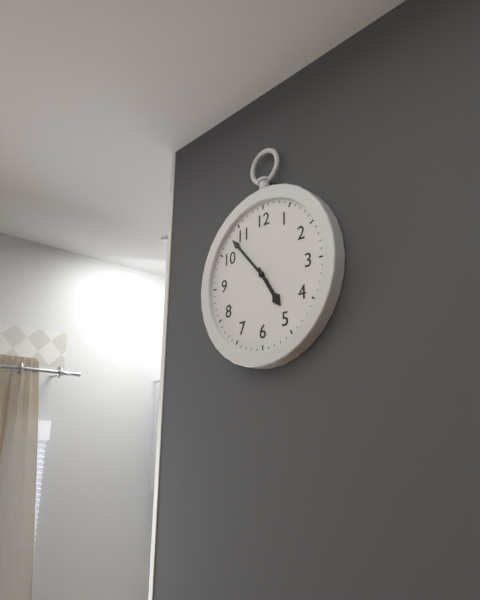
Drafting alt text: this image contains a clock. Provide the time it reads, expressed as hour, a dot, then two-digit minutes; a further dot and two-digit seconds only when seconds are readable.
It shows 4.53
